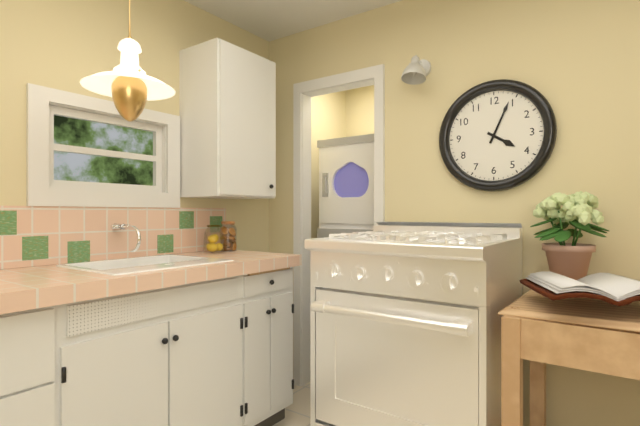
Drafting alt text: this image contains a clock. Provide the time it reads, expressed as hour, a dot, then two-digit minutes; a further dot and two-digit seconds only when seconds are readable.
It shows 4.04
